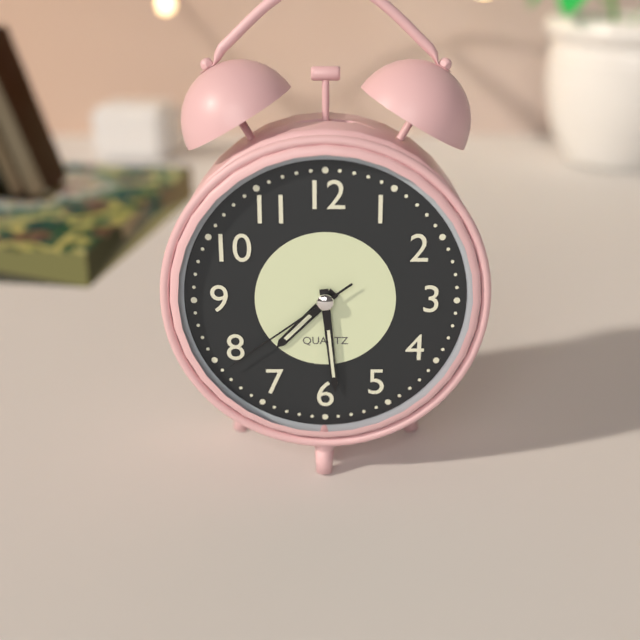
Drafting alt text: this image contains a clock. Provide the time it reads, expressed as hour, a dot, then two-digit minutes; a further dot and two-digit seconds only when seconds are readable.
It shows 7.29.39
